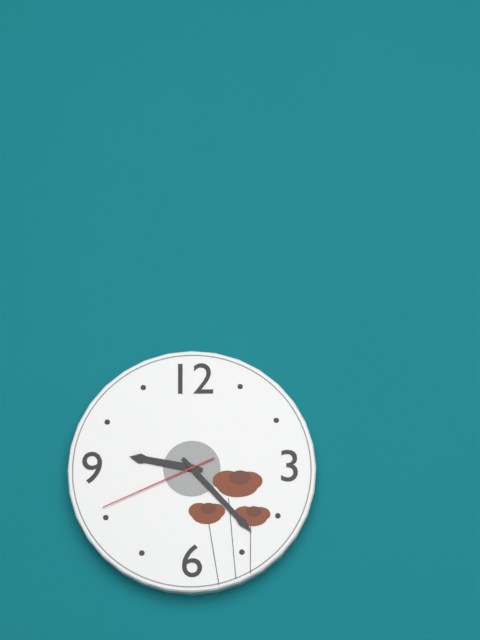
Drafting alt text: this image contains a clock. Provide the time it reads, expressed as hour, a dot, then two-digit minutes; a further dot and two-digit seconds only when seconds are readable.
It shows 9.23.41
